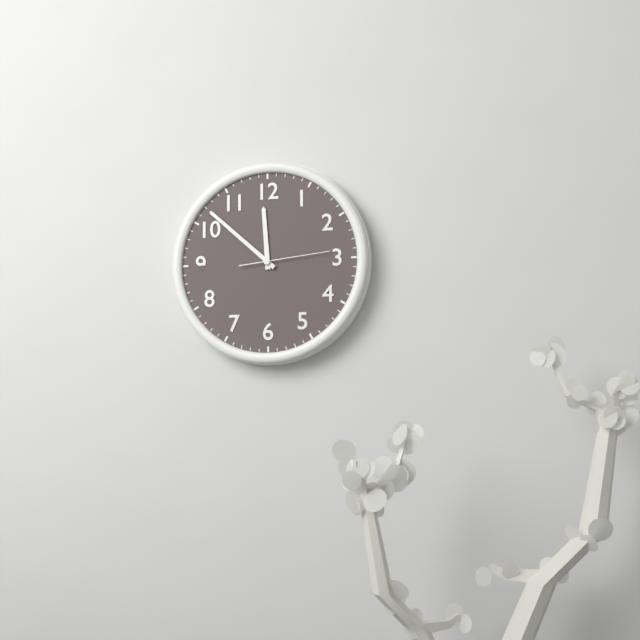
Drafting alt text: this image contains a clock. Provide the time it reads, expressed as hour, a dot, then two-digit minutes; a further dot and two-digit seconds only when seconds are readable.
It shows 11.52.14
